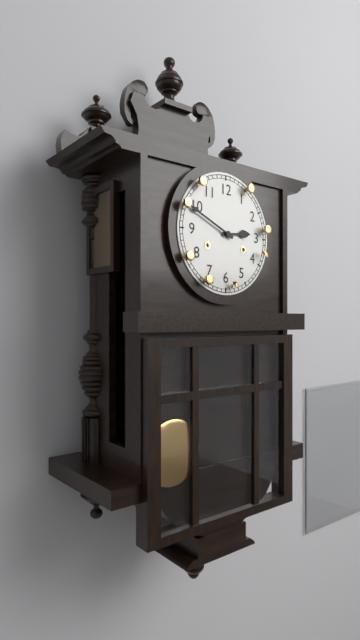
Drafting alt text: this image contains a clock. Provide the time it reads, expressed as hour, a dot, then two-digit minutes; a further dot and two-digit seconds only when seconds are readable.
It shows 2.49
